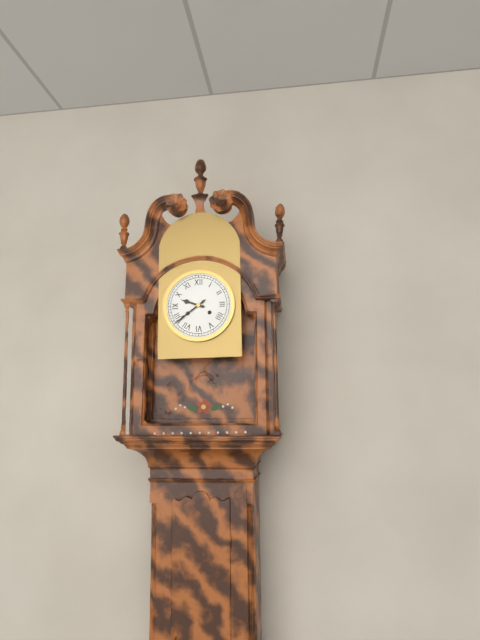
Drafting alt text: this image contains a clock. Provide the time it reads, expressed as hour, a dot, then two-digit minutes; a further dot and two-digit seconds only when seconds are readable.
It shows 9.39
